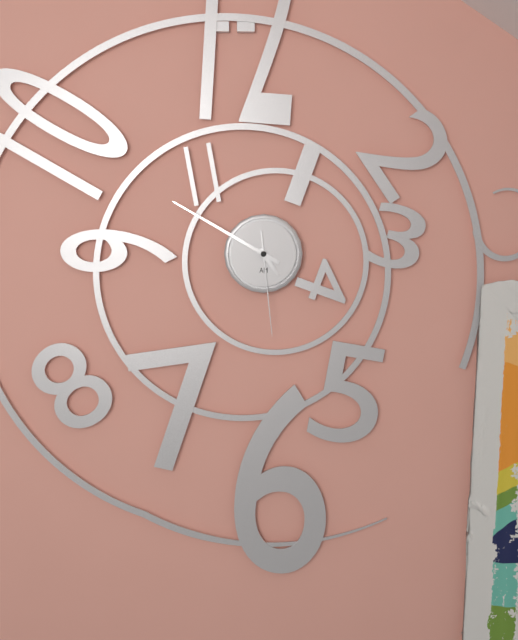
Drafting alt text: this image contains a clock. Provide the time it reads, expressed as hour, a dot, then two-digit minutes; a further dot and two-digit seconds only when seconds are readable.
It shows 4.50.29
